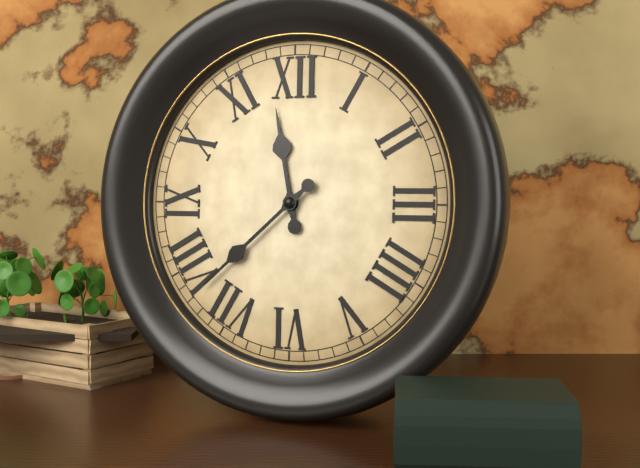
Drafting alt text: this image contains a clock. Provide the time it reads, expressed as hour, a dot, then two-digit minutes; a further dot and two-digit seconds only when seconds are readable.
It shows 11.38
